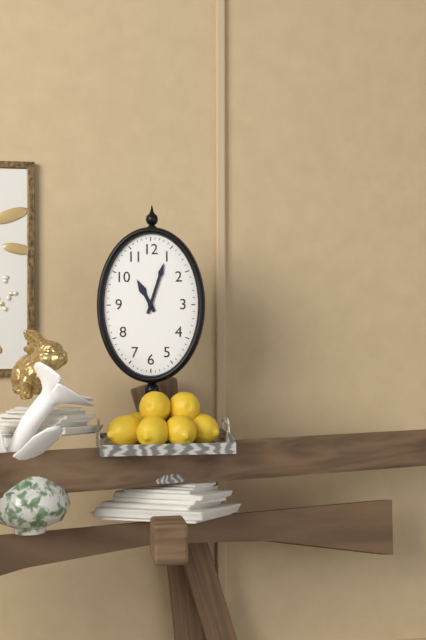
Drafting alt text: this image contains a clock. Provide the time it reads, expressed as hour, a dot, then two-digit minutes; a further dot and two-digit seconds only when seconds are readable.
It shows 11.03
